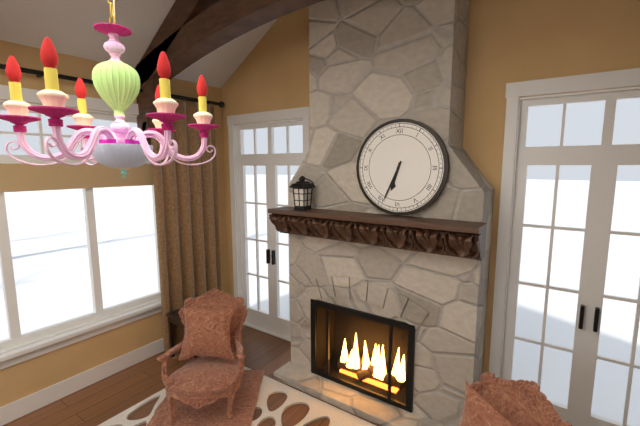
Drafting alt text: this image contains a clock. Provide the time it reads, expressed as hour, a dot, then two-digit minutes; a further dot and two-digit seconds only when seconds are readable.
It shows 6.34
